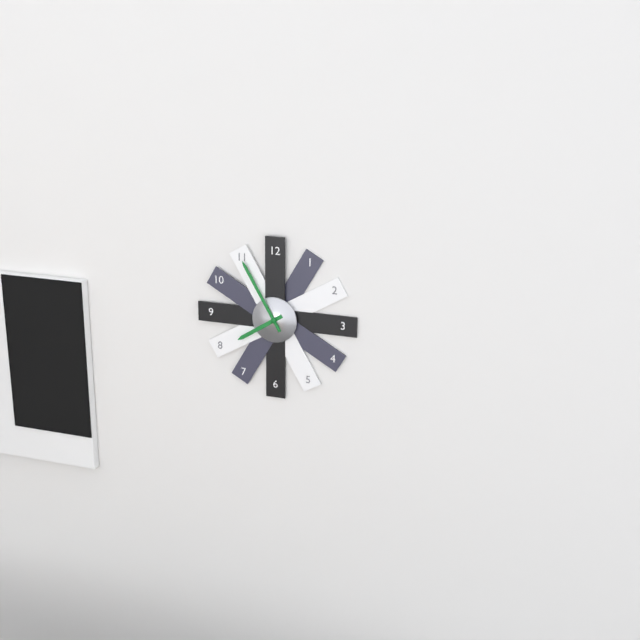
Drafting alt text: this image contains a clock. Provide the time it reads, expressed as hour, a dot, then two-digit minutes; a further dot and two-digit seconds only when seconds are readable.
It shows 7.55
